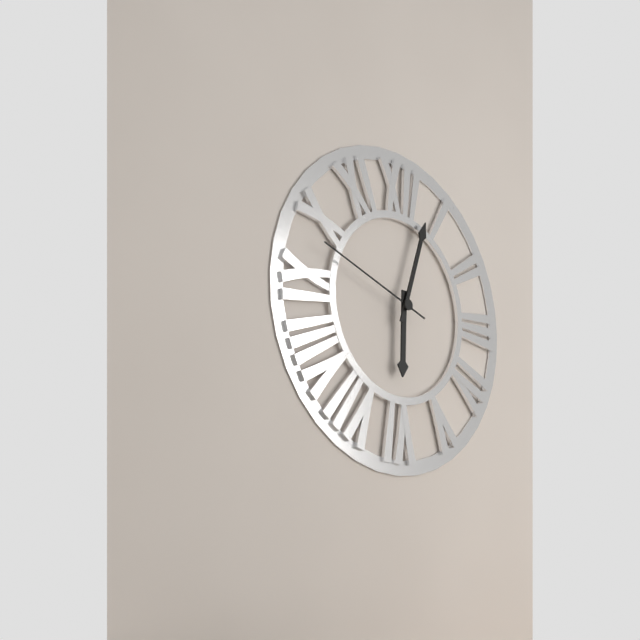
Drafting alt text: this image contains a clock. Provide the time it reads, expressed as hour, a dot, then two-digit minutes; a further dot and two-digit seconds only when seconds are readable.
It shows 6.03.48
